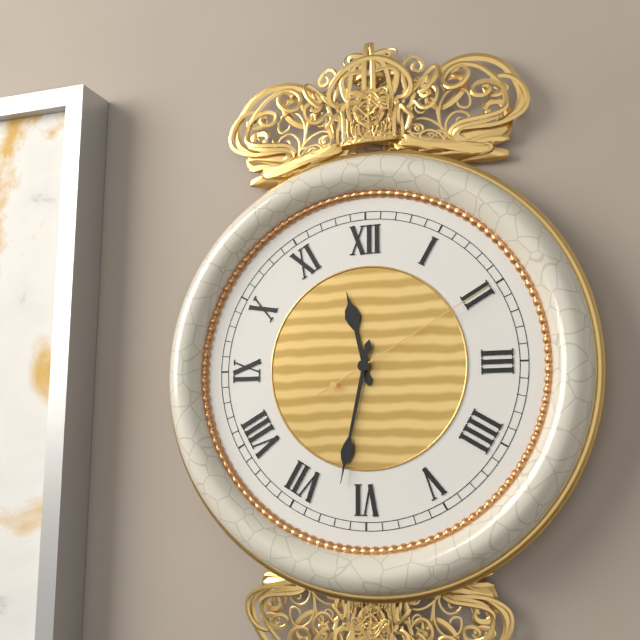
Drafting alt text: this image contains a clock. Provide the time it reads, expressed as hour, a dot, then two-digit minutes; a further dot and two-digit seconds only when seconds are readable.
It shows 11.32.10
